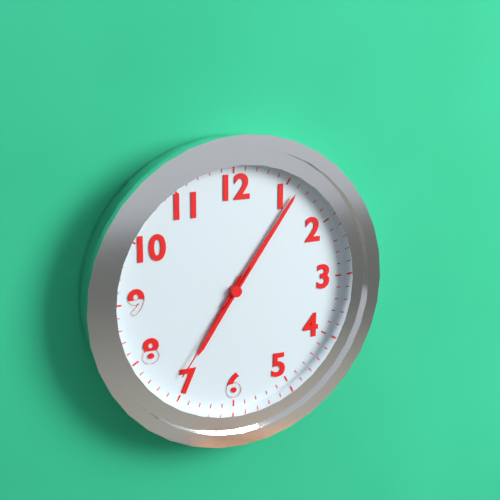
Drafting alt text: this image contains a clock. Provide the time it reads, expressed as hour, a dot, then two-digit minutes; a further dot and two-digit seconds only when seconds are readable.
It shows 7.06.36
